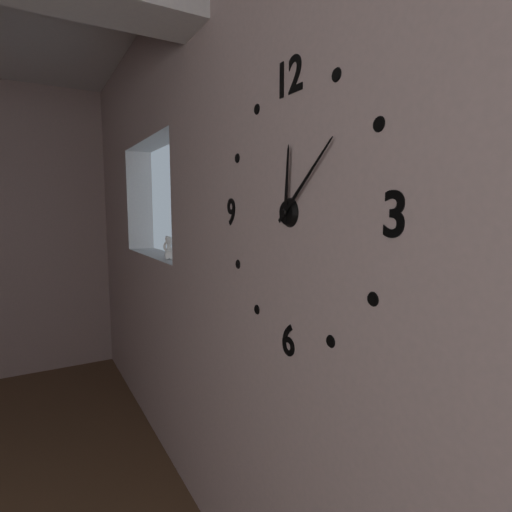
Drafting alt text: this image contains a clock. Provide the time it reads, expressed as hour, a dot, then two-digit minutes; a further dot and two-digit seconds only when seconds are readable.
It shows 12.08
